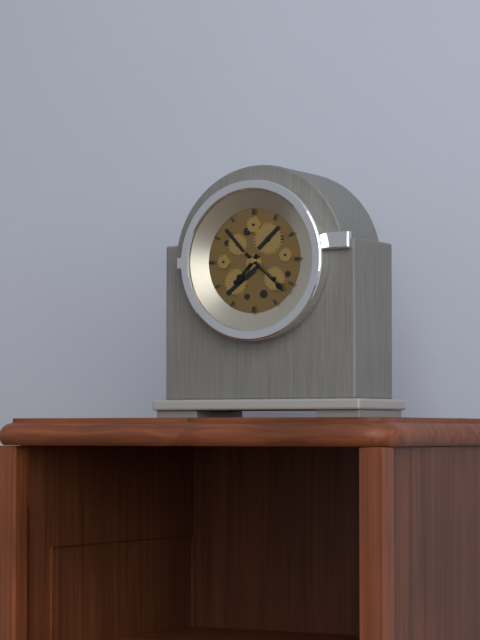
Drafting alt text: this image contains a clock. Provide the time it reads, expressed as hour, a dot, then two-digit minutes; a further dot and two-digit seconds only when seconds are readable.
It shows 7.22
